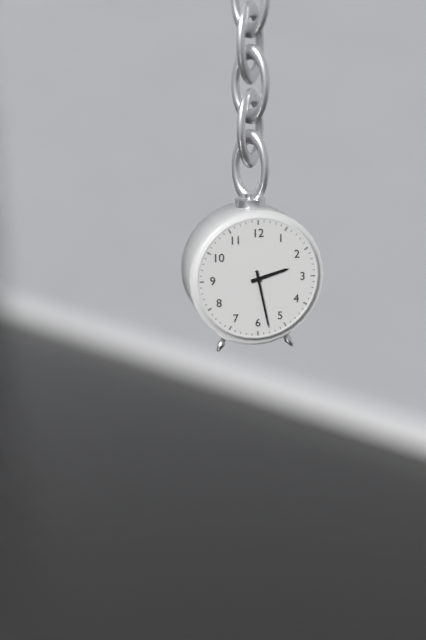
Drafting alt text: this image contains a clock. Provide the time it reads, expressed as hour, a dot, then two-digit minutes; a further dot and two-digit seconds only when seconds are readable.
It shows 2.28
